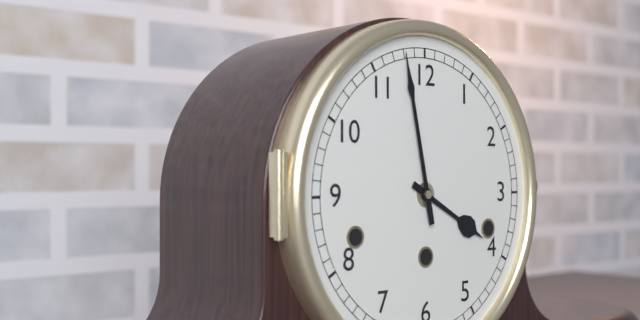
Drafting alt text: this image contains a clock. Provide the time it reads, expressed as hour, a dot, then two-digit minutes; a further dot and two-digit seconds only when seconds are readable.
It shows 3.58
